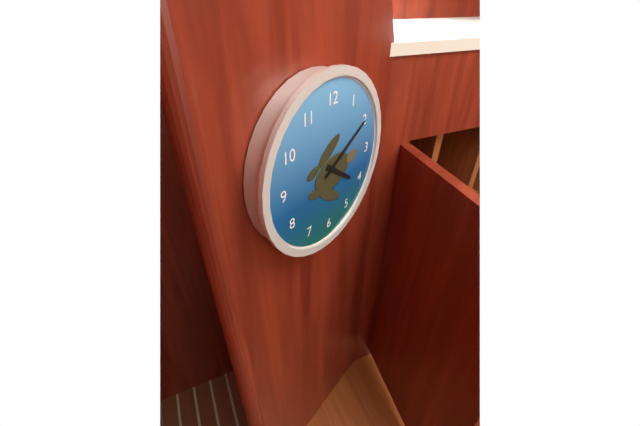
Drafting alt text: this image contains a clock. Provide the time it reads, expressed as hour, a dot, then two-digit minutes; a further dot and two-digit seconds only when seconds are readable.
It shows 4.10
